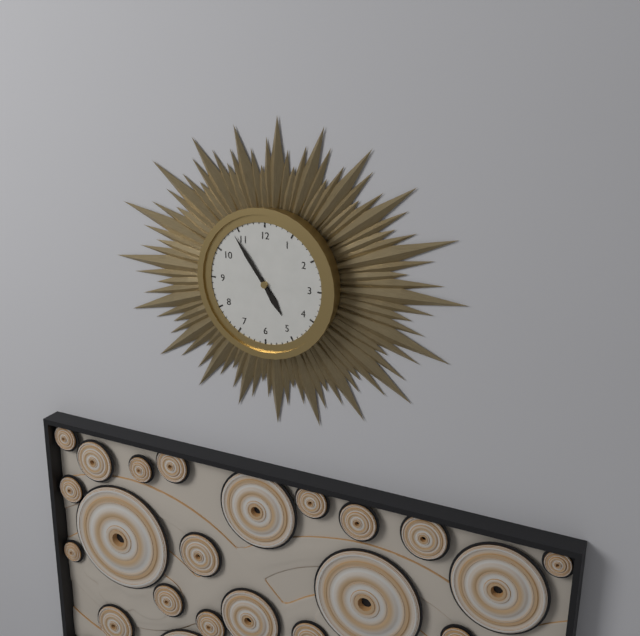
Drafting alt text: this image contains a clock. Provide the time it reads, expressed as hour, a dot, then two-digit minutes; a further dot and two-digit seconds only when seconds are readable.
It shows 4.54
